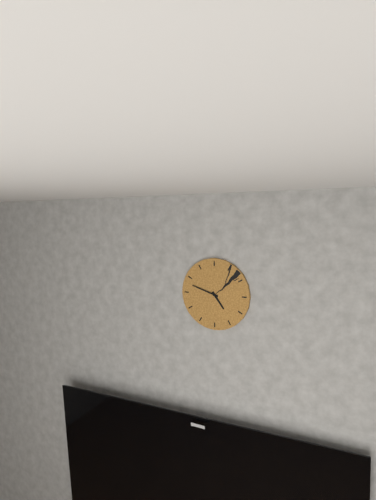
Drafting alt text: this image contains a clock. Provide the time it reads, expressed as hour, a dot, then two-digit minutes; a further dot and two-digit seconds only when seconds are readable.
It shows 4.48
